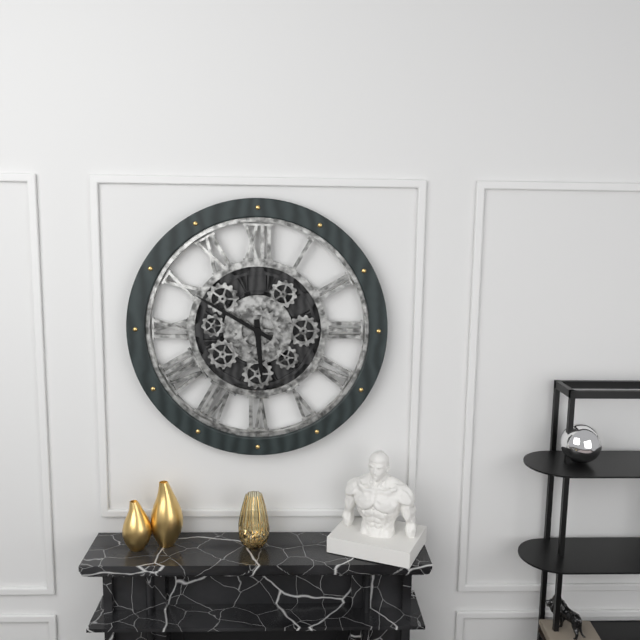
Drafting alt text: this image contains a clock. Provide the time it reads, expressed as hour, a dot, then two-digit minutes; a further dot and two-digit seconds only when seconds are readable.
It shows 5.50
